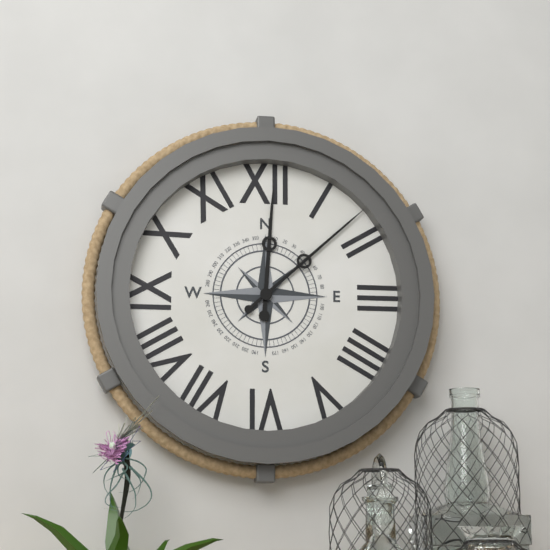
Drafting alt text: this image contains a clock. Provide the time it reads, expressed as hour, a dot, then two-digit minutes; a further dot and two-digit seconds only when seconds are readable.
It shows 12.08
